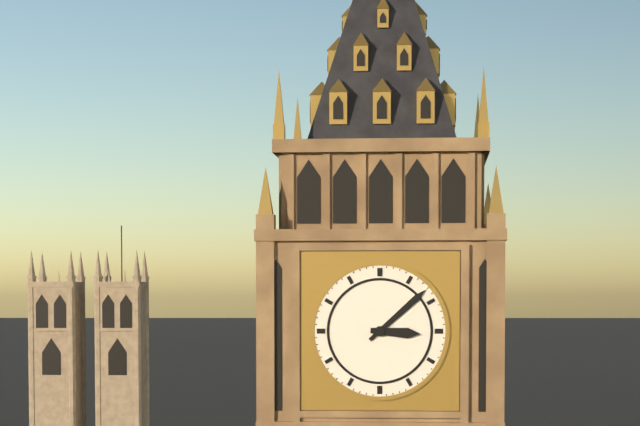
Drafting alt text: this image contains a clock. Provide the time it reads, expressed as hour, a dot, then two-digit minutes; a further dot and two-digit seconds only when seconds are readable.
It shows 3.08
